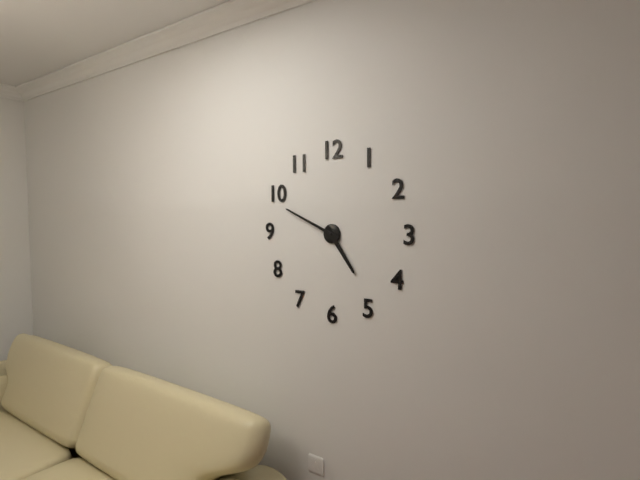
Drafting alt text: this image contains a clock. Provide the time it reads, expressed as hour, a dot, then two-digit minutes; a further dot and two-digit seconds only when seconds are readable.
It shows 4.49
